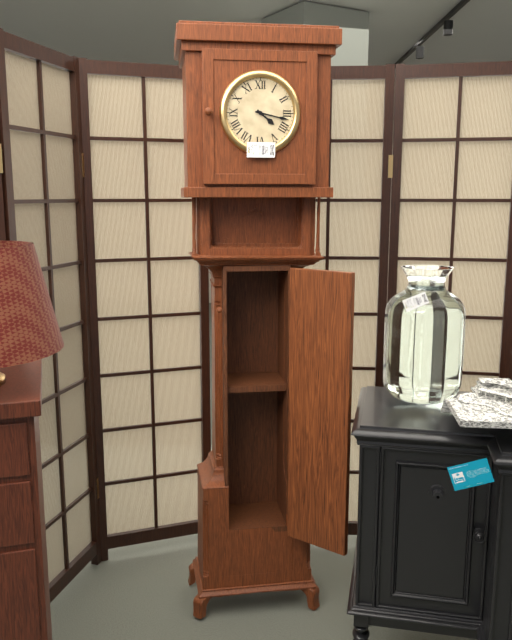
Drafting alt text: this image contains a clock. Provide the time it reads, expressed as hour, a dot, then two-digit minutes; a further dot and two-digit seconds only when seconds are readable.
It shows 4.17
